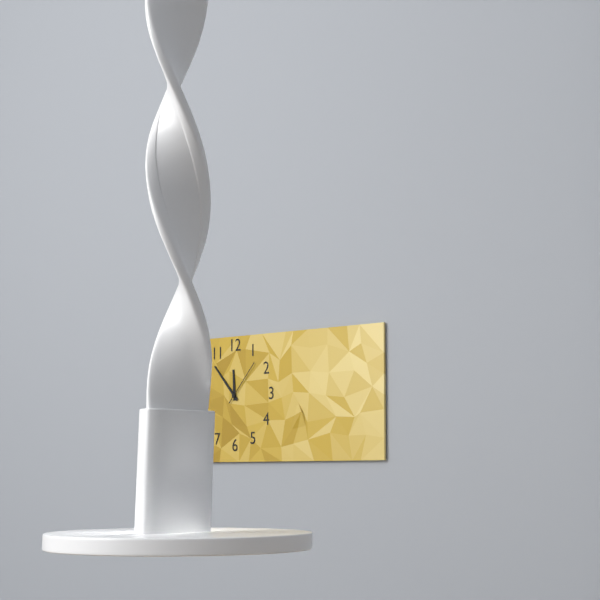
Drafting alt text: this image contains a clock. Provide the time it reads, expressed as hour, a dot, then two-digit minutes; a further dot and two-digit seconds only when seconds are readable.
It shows 11.53
